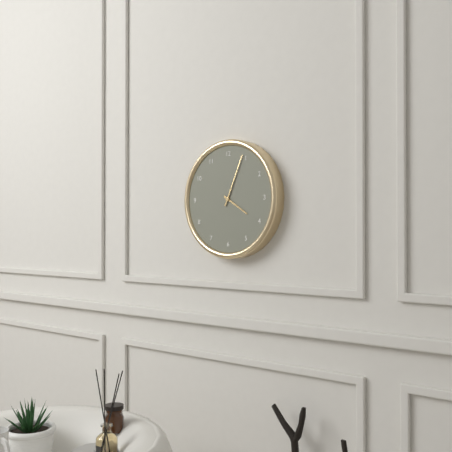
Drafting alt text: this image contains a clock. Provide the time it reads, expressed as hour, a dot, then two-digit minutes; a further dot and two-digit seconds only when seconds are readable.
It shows 4.04
